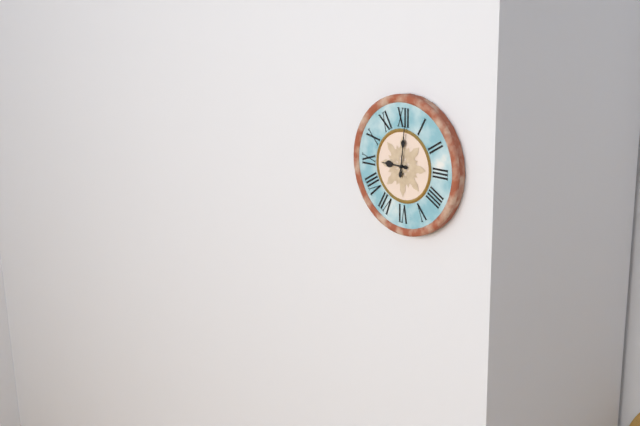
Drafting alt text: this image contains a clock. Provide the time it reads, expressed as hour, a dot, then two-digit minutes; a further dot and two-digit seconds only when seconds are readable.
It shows 9.01
